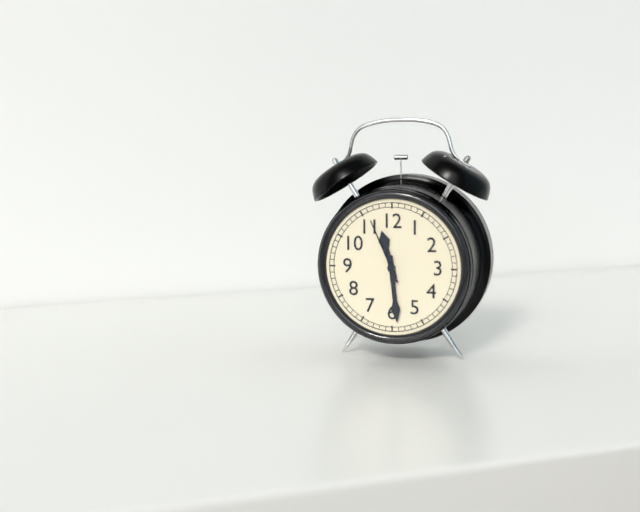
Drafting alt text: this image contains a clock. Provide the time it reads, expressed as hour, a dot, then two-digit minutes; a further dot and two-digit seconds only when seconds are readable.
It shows 11.29.56
